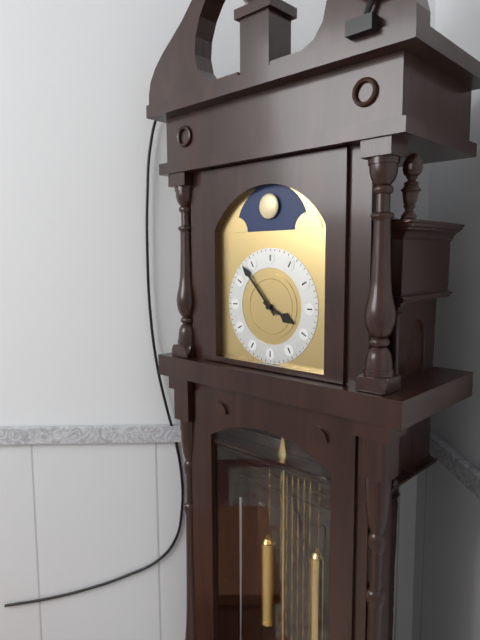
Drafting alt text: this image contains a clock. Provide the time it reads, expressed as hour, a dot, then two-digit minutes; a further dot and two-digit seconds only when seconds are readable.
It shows 3.53
